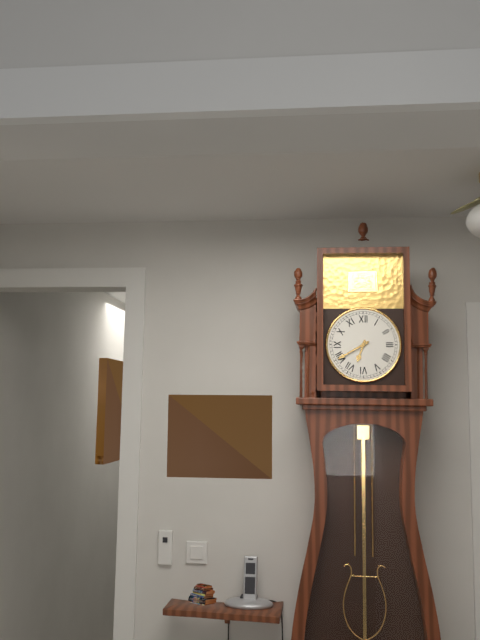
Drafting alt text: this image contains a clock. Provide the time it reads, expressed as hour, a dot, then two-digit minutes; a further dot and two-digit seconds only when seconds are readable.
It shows 6.40
